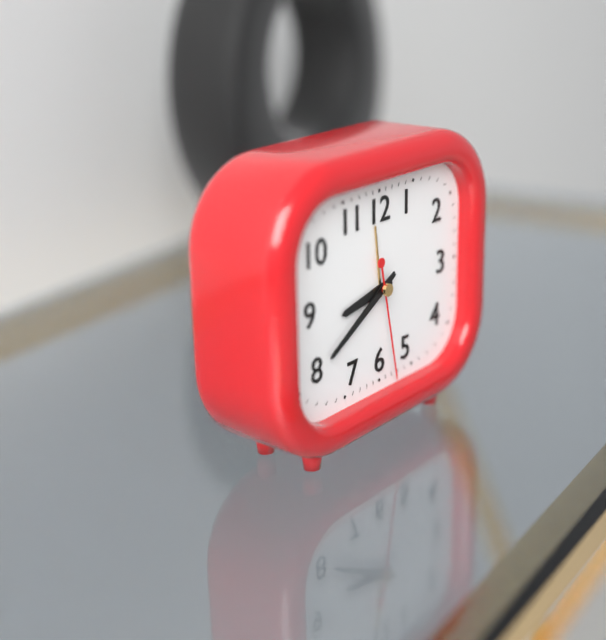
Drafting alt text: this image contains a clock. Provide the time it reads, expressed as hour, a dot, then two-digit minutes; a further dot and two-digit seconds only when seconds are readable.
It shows 8.40.28
